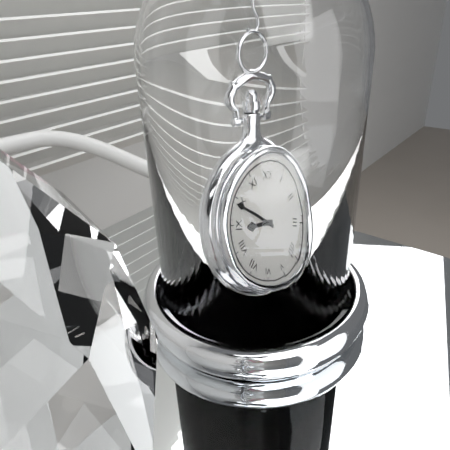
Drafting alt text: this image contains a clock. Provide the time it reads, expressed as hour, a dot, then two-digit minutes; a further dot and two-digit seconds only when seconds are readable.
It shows 8.49
